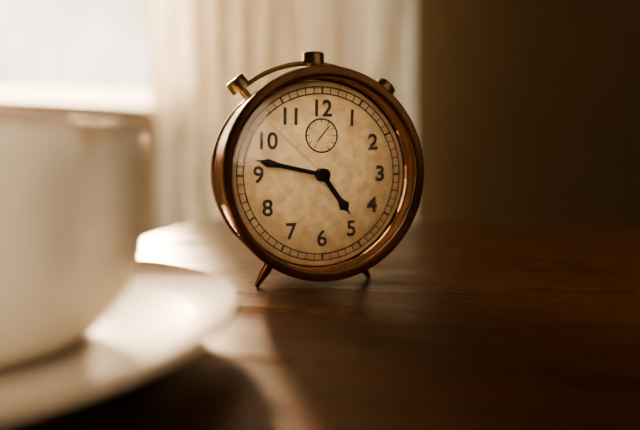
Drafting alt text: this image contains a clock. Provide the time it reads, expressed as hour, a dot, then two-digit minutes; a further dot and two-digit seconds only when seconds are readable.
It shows 4.47.52
